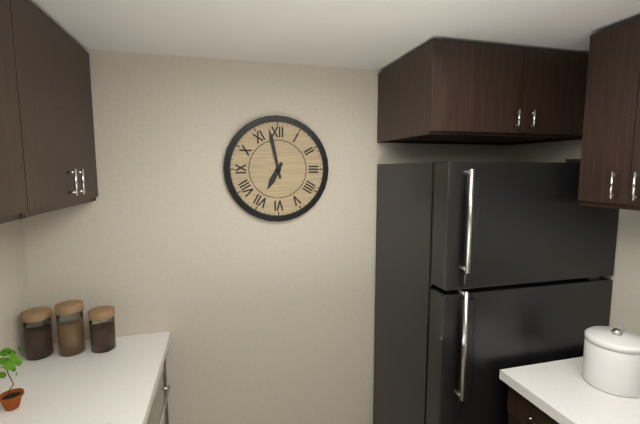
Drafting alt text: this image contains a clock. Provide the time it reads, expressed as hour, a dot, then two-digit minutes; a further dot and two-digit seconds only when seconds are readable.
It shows 6.58
